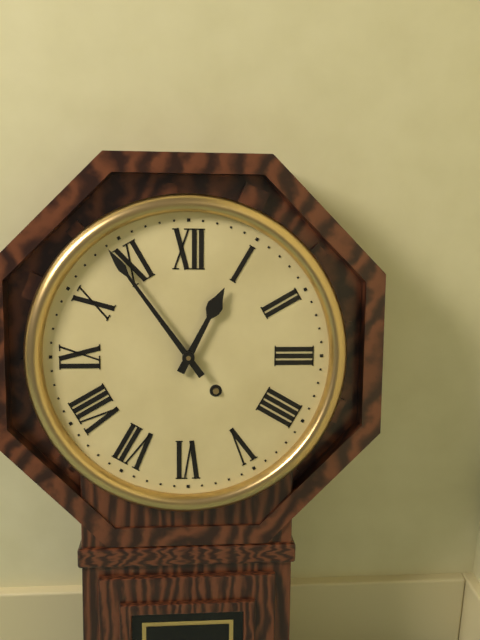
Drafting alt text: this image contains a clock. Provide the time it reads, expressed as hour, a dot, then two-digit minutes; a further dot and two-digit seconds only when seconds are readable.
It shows 12.54
